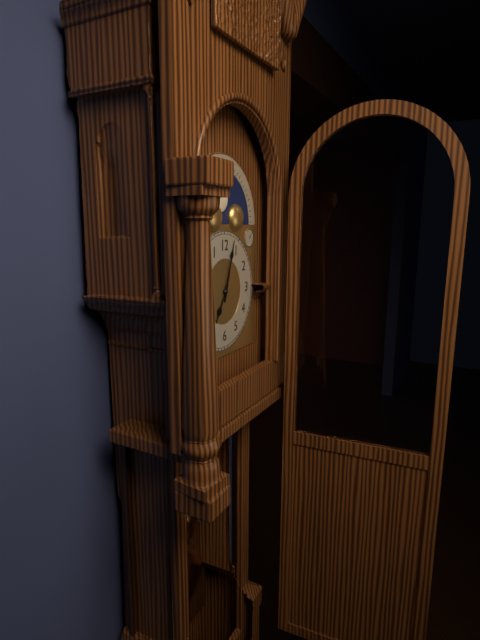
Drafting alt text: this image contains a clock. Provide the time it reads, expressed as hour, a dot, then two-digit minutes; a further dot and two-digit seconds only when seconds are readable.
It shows 7.03
